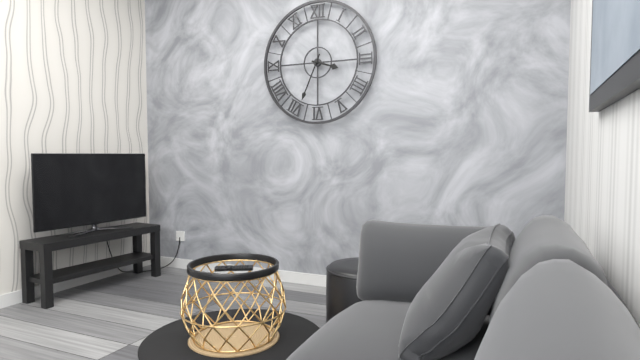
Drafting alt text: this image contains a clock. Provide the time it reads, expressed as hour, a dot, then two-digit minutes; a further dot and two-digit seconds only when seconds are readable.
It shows 3.34
